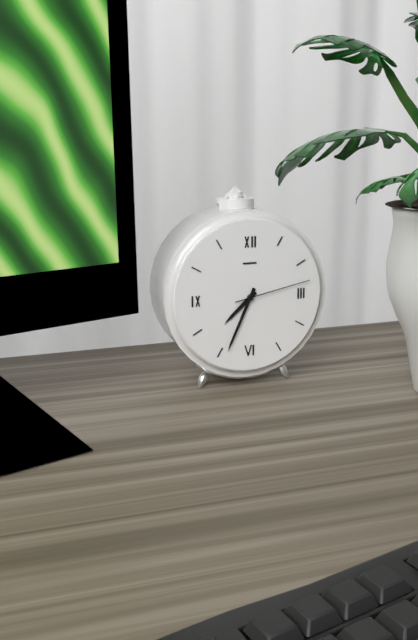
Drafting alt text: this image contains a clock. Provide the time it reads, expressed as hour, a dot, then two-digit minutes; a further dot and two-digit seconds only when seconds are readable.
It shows 7.34.13
